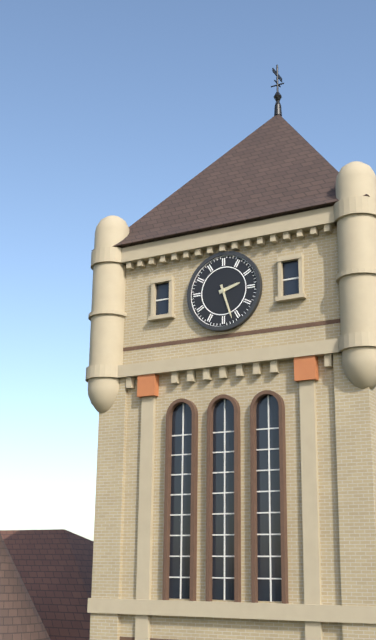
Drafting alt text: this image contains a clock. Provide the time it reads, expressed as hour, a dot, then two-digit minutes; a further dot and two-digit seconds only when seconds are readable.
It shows 2.27
